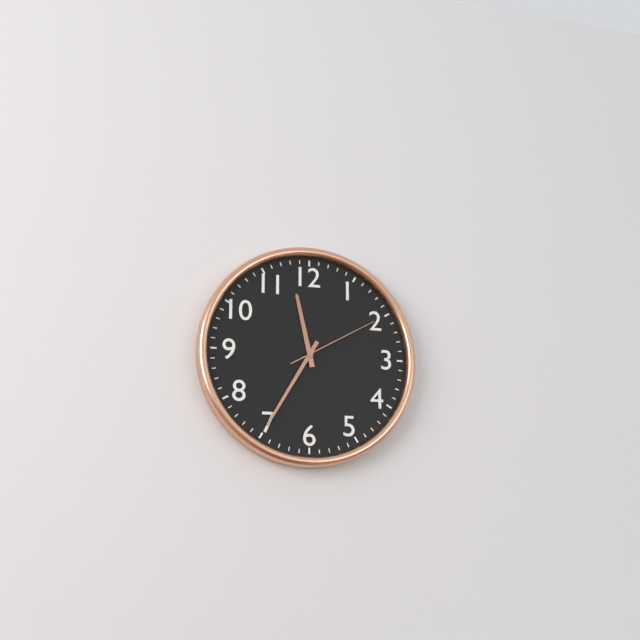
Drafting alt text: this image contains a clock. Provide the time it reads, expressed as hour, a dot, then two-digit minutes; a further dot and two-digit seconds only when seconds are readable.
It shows 11.35.10
